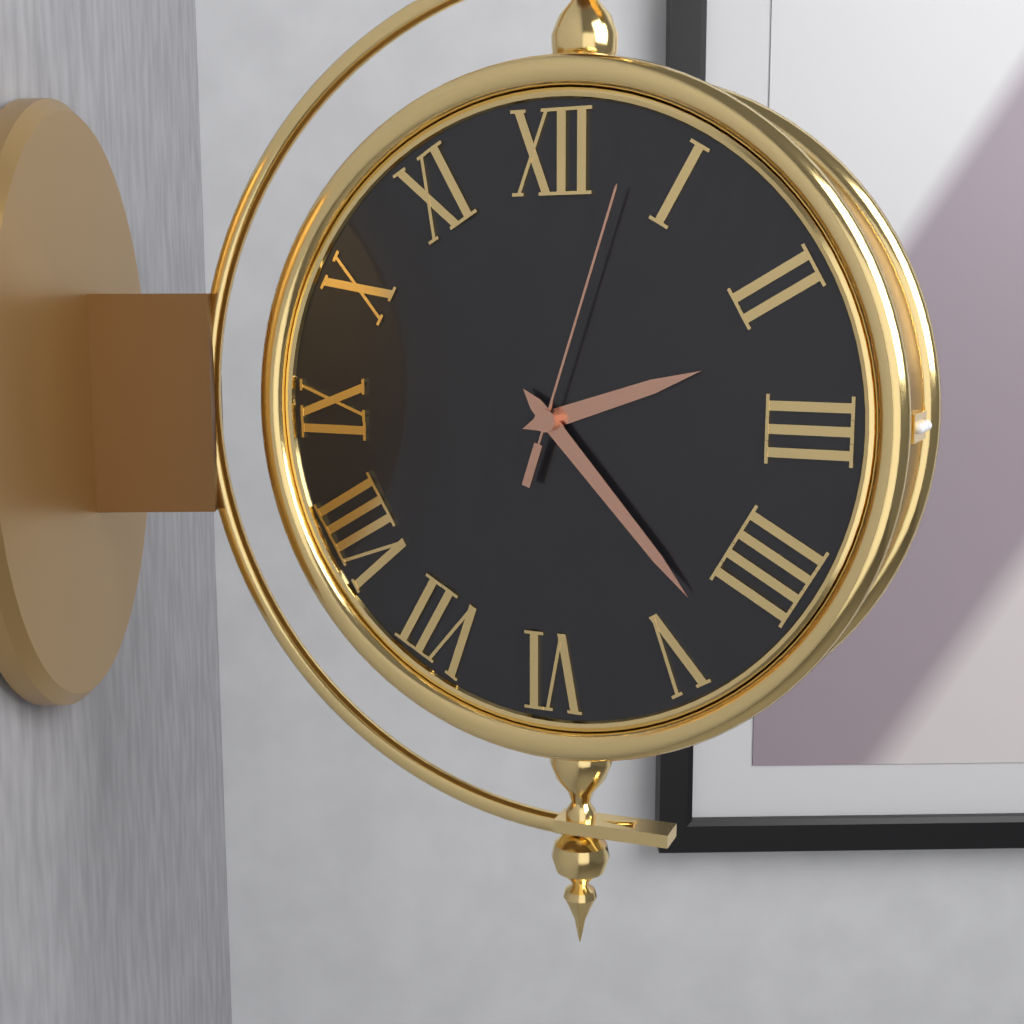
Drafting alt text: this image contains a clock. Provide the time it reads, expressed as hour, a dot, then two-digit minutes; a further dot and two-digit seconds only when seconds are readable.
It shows 2.23.03
